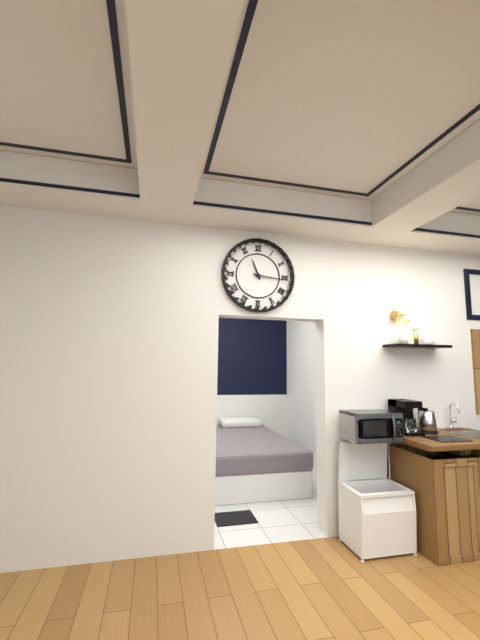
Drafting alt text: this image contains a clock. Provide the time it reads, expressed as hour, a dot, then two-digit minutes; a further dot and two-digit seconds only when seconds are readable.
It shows 11.16
